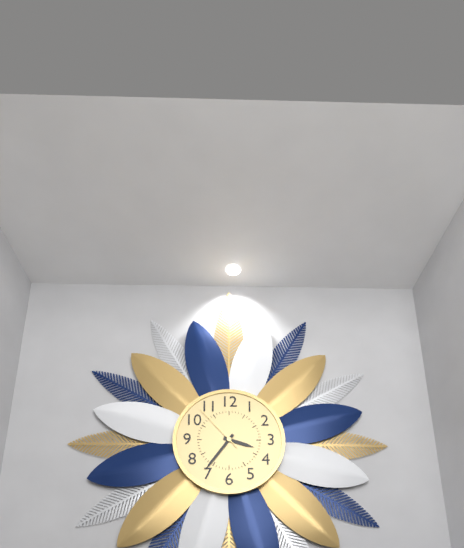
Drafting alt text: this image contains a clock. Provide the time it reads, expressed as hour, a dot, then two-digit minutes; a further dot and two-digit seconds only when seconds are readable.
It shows 3.36.53
